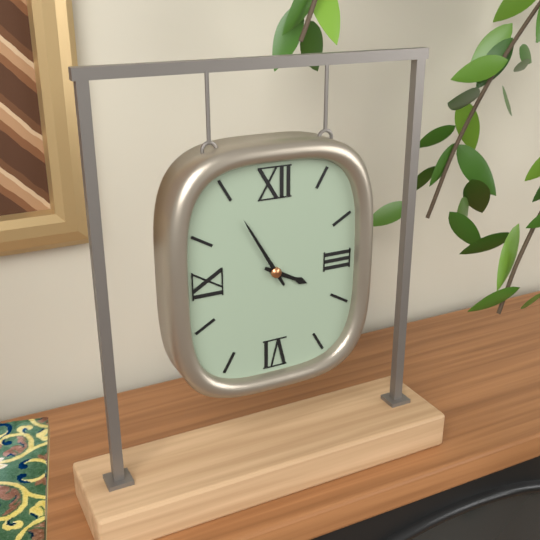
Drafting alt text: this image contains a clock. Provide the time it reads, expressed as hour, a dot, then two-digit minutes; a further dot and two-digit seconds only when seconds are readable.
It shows 3.55
